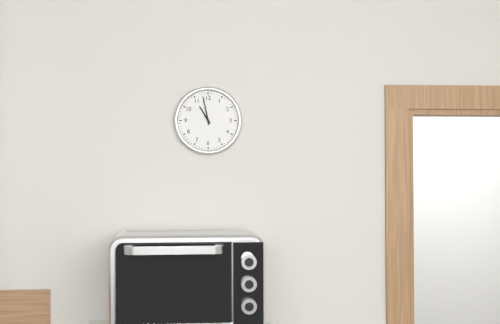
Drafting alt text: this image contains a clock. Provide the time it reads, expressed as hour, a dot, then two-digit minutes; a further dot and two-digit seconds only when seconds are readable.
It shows 10.58
